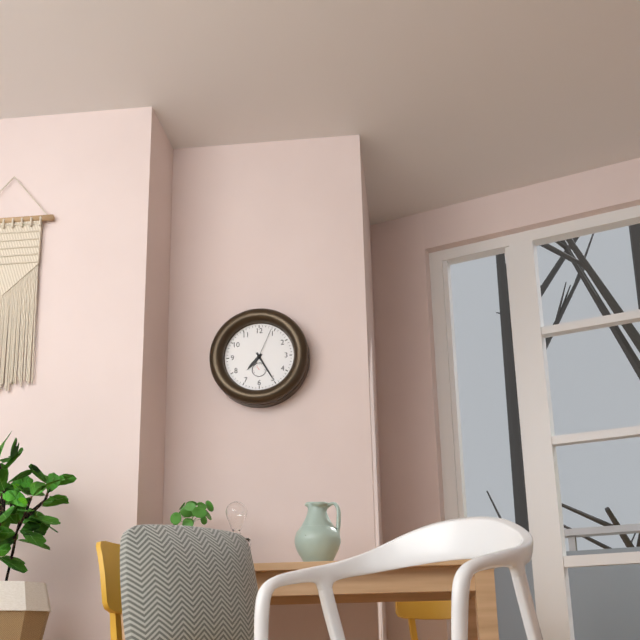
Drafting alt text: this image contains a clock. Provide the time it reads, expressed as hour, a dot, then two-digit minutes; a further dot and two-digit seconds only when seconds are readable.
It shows 7.25
